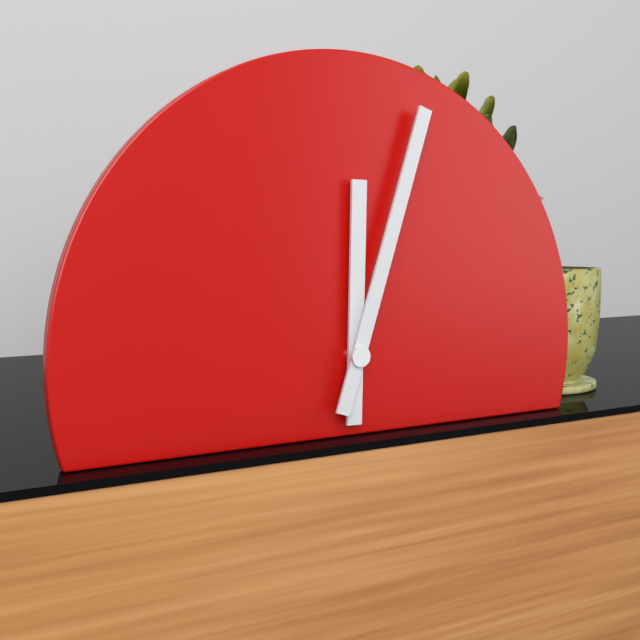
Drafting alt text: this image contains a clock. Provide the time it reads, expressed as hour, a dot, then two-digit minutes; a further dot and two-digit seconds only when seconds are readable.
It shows 12.03
